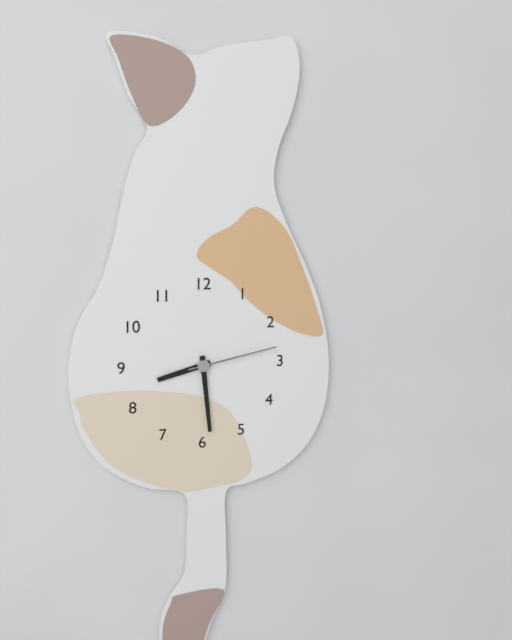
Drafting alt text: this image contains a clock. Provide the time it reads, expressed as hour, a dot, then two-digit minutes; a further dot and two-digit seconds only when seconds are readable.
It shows 8.29.13
